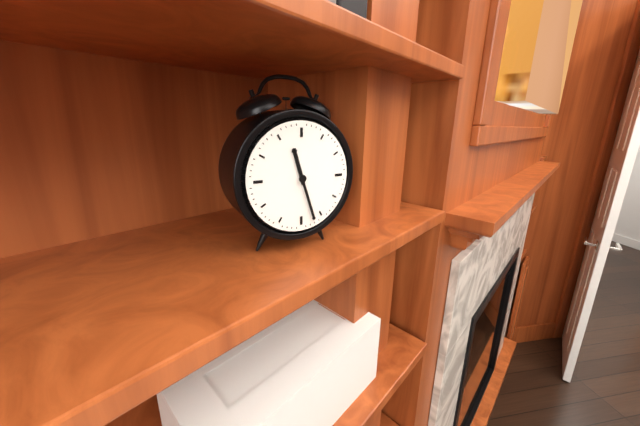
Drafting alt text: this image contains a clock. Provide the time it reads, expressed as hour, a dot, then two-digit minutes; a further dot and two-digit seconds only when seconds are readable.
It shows 11.27
